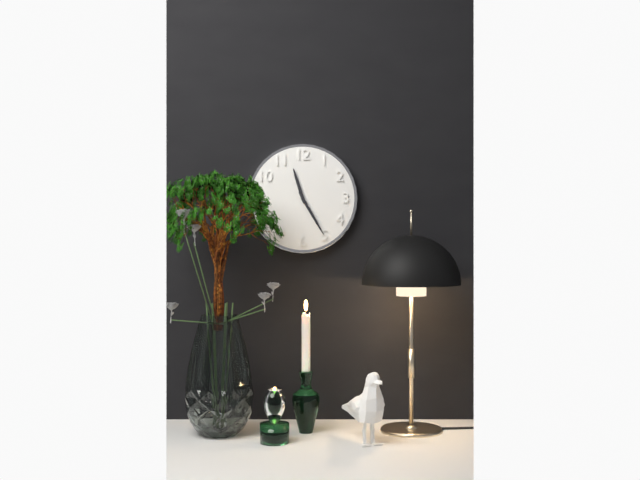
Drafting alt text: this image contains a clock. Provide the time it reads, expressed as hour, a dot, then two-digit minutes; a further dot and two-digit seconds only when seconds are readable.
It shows 11.25
